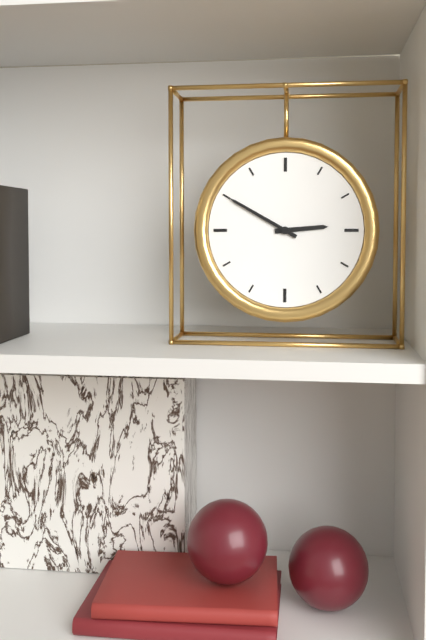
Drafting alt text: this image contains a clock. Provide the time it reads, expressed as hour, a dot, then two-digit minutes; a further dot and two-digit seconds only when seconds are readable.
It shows 2.50
